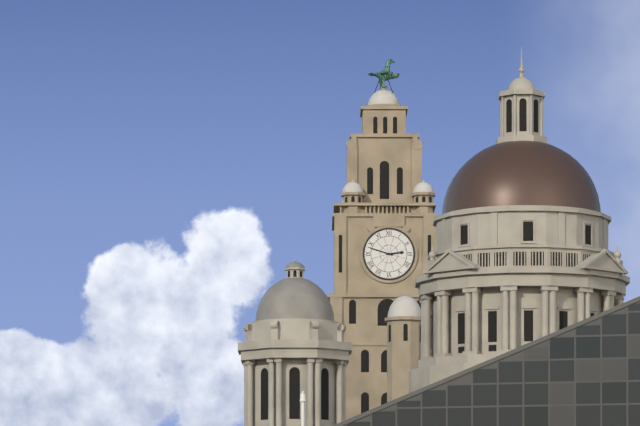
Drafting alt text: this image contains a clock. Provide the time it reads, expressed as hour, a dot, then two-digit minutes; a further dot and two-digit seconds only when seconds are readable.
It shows 2.48
